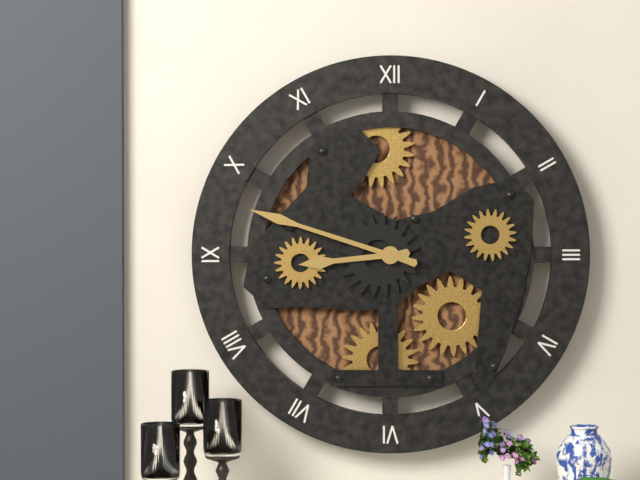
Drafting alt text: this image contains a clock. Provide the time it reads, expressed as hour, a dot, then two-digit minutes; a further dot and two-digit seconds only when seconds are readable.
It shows 8.48
